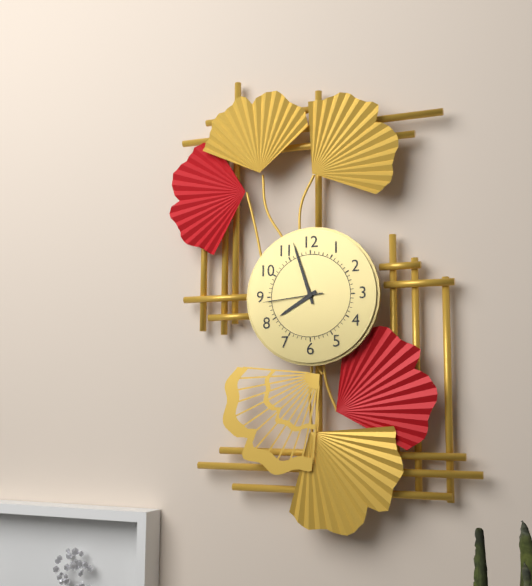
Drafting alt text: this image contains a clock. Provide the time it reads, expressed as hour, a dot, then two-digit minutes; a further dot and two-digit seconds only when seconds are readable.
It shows 7.57.44
